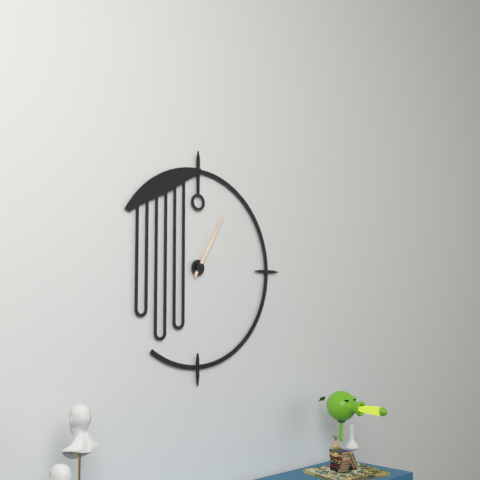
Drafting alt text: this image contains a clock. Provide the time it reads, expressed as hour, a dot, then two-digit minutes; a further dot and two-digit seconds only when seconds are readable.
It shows 1.05
